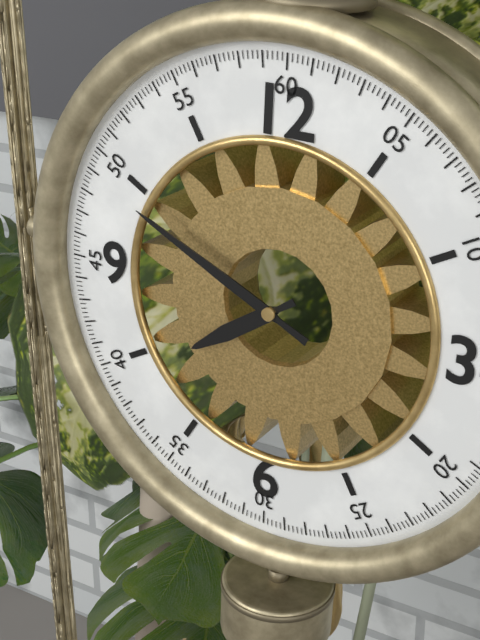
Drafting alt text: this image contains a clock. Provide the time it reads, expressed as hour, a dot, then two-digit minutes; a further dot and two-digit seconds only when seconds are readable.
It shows 7.49
